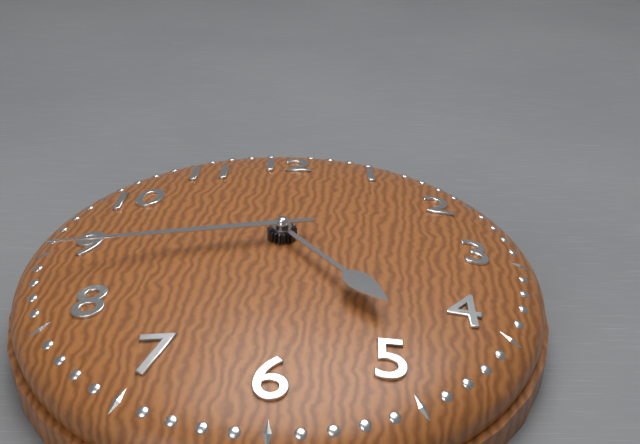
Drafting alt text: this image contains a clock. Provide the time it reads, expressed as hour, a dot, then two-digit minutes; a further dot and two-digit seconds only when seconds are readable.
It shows 4.43
